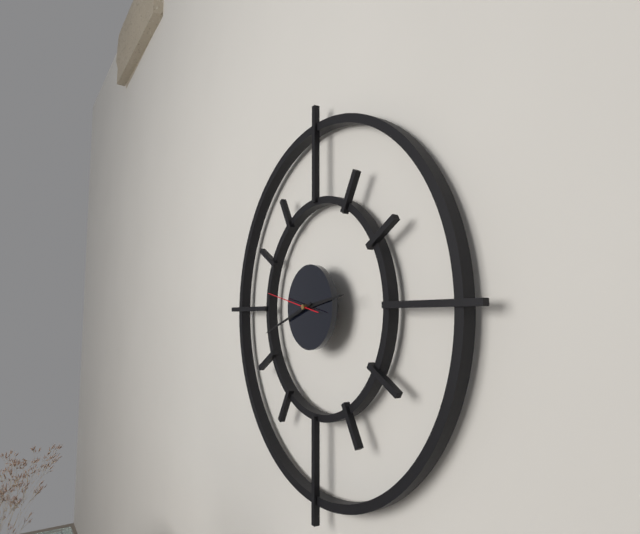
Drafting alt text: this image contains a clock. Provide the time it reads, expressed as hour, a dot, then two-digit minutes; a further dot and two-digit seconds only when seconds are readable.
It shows 2.42
